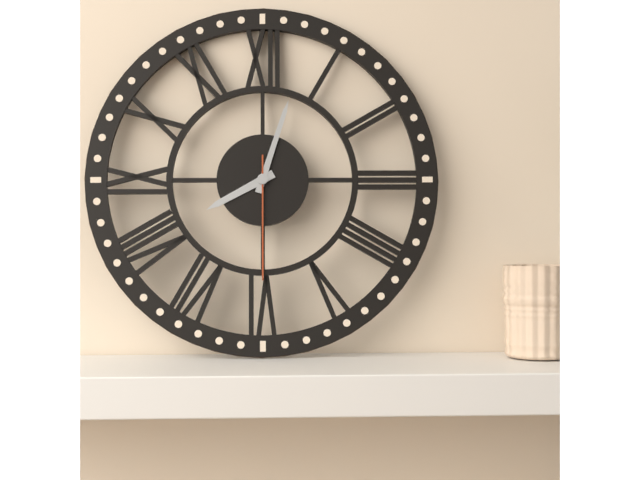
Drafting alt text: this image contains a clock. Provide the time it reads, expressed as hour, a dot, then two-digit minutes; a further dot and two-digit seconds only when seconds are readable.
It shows 8.03.30
